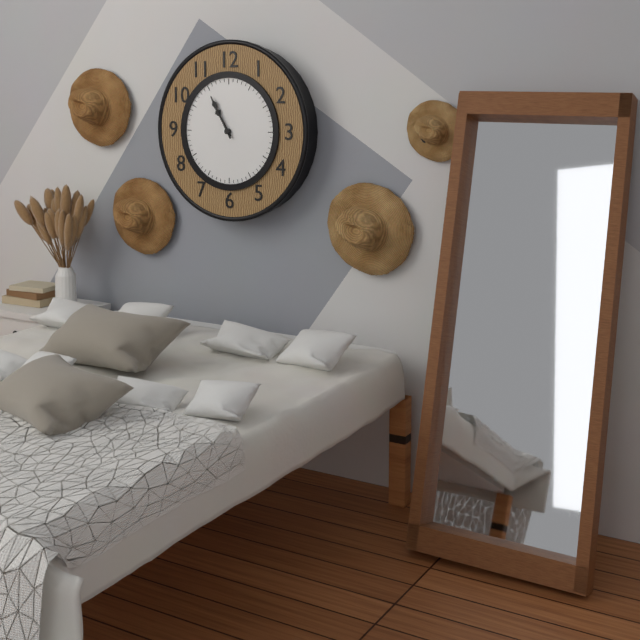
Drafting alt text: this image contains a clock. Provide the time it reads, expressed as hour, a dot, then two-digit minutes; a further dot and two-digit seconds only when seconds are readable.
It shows 10.55
